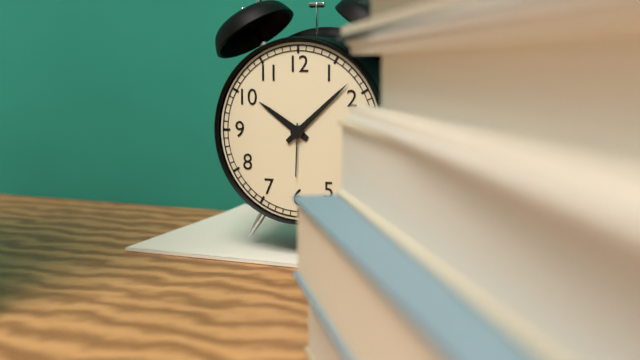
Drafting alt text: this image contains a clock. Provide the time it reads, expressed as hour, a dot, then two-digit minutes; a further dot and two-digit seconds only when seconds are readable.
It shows 10.08
